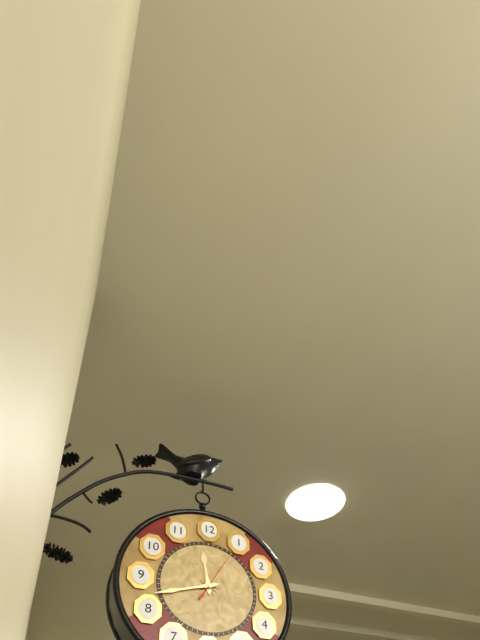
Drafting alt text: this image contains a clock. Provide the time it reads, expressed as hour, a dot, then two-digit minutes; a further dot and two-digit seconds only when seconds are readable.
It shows 11.42
